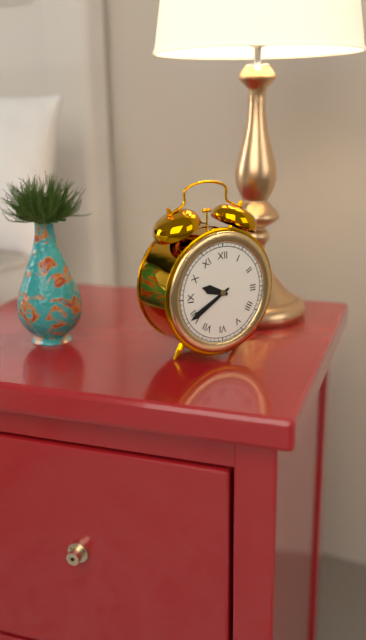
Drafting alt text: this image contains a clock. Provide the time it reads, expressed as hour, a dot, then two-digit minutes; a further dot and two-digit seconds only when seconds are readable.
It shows 9.40
